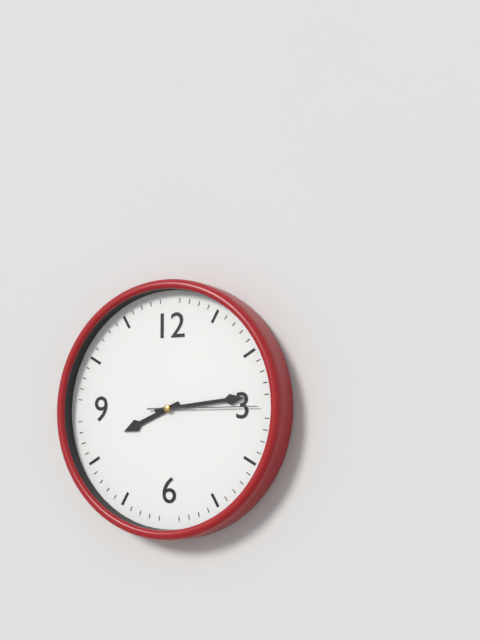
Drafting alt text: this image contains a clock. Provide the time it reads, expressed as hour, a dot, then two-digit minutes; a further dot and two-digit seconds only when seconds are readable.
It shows 8.14.15
